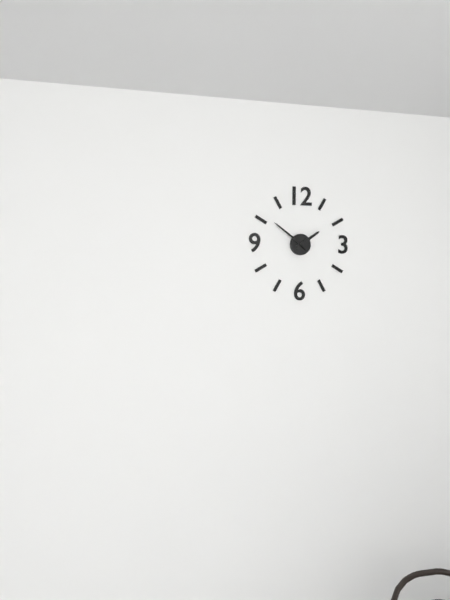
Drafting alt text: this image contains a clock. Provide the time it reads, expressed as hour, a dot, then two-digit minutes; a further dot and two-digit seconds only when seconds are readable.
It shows 1.51
